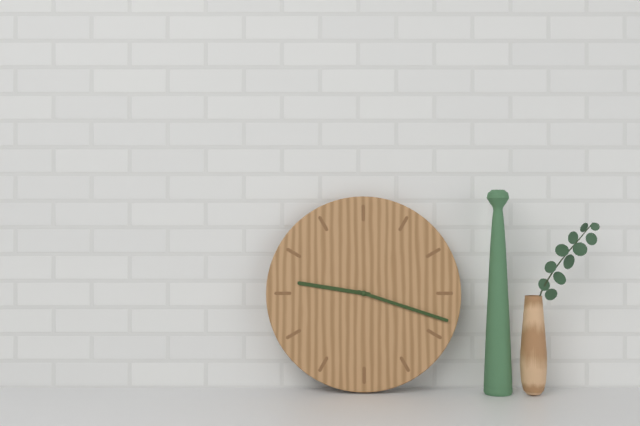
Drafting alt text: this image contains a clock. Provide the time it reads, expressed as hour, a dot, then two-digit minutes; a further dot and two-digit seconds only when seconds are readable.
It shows 9.18
